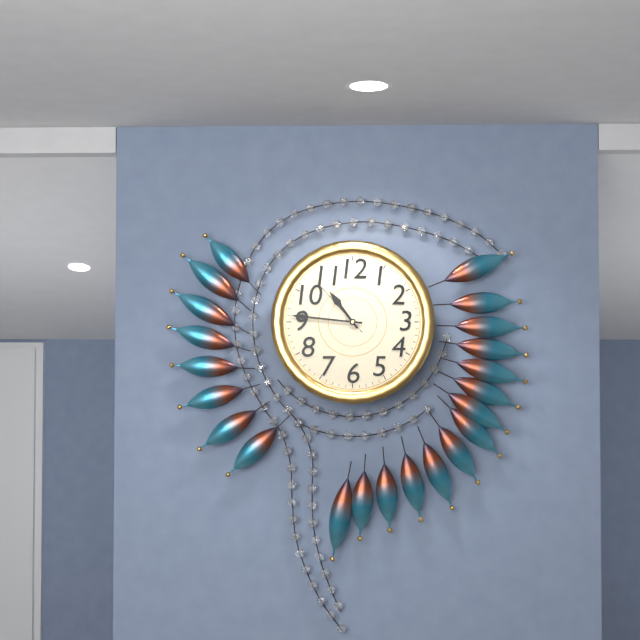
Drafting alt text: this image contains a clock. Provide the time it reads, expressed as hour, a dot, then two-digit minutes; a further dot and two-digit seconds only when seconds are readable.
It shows 10.46.53
